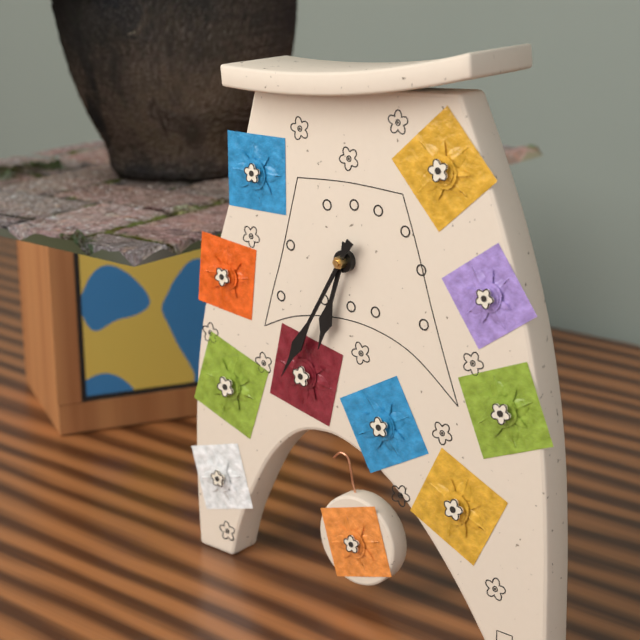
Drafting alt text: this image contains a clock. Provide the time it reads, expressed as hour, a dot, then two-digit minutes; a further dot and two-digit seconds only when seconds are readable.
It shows 6.35
